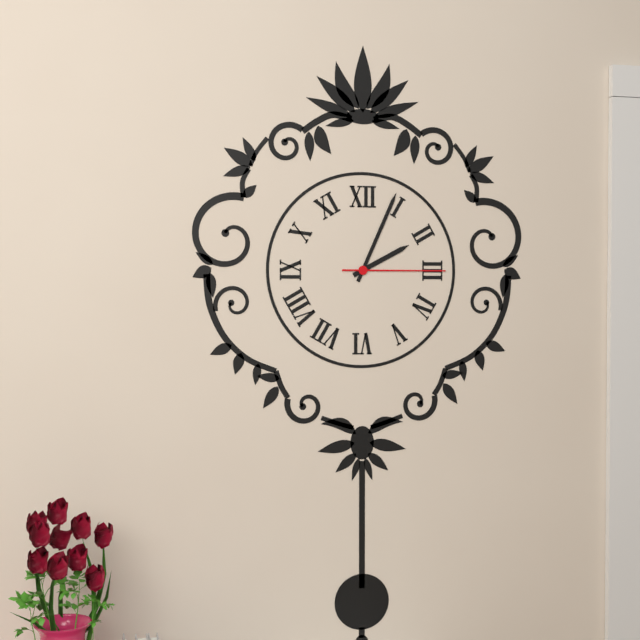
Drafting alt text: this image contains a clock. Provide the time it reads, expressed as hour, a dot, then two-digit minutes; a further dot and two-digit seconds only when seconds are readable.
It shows 2.04.15
